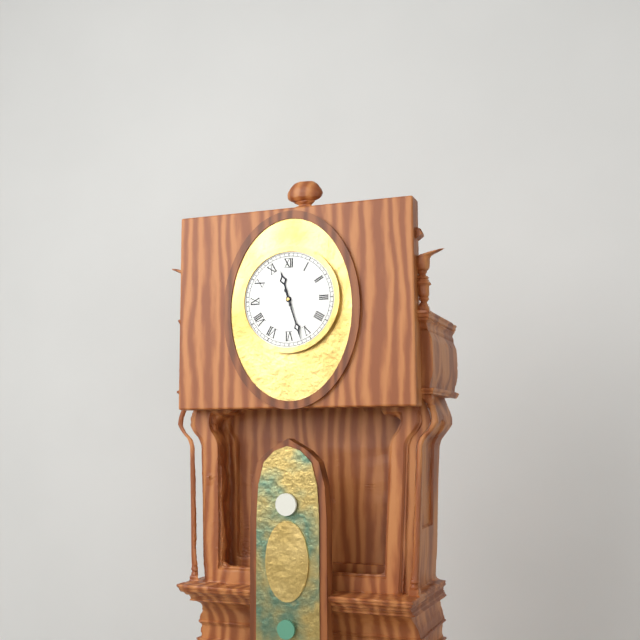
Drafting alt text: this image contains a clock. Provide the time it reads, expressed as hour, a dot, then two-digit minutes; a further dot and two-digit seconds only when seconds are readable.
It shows 11.27
